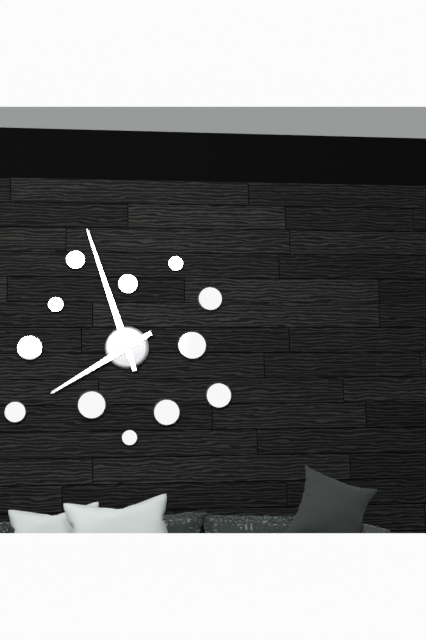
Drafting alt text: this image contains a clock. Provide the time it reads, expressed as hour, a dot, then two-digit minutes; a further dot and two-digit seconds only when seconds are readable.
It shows 7.57
